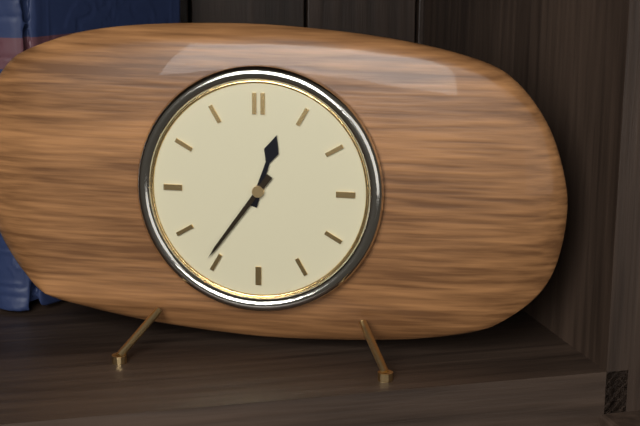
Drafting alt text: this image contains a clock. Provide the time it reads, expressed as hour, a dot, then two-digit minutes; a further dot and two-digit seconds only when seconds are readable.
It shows 12.36
